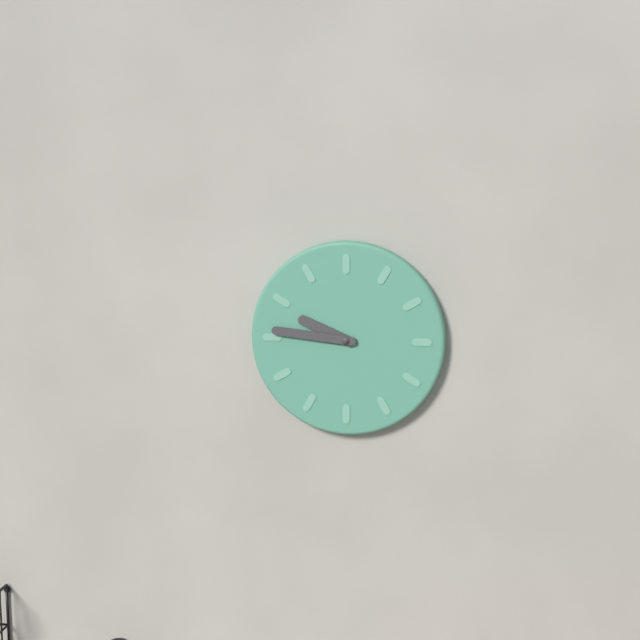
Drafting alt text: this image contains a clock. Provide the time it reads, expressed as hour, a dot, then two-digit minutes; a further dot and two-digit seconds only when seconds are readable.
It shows 9.46
